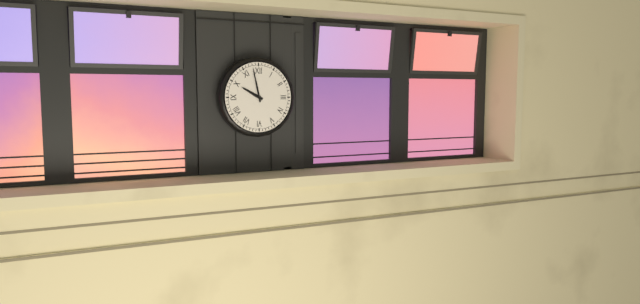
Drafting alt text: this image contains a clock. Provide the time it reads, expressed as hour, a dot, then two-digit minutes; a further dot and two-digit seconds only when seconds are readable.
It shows 9.58
